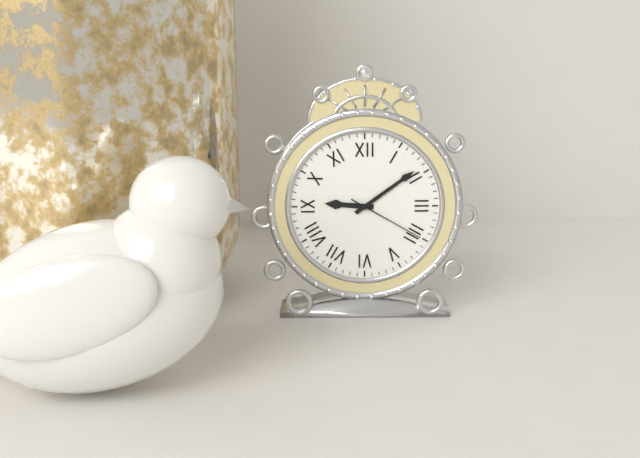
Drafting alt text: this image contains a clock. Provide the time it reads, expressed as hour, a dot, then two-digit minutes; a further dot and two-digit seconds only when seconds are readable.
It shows 9.09.20
